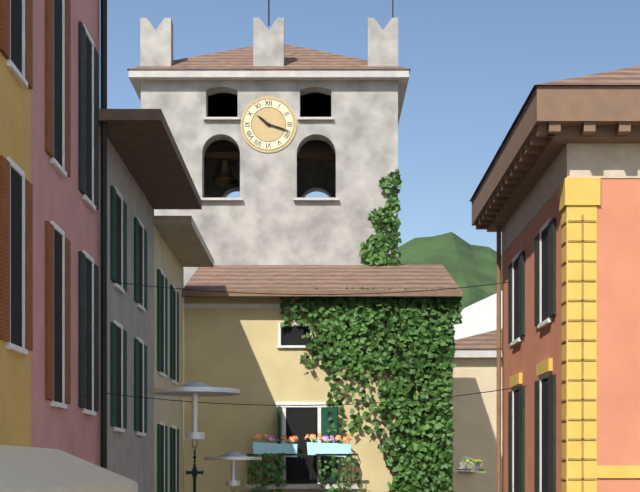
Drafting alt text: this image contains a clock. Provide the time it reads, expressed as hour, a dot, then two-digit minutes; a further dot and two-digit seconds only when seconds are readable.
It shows 10.18
